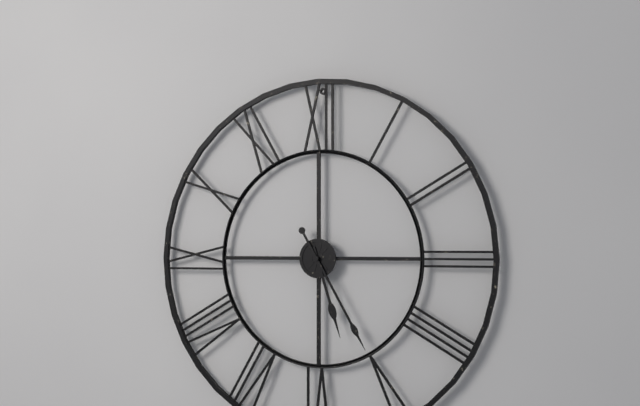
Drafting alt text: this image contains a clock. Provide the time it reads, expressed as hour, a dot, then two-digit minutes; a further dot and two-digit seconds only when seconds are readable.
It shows 5.25
